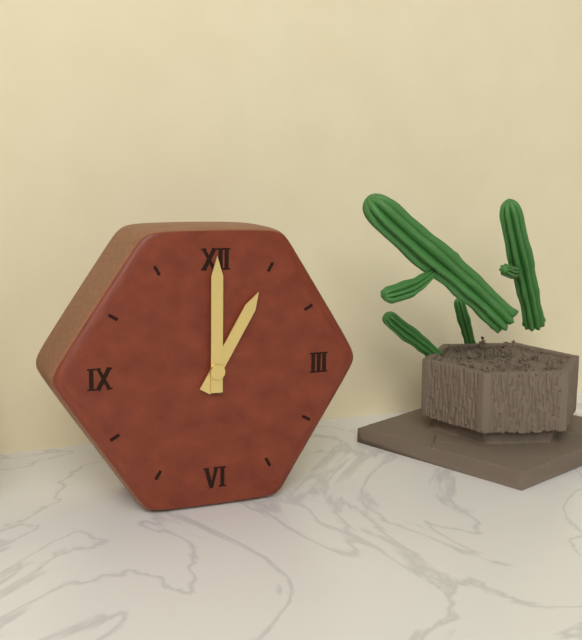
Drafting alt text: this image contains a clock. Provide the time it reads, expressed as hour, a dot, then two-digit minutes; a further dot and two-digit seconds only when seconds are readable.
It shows 1.00
